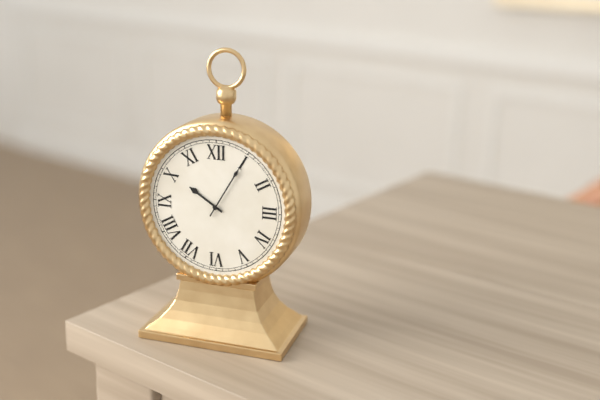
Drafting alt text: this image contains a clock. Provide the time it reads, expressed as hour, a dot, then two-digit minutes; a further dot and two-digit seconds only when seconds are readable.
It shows 10.05
